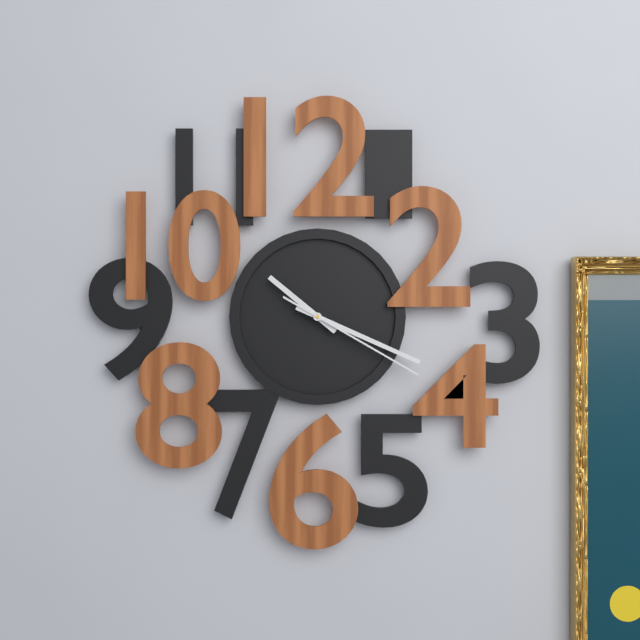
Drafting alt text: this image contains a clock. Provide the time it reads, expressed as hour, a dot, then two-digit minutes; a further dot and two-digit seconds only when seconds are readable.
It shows 10.19.20
